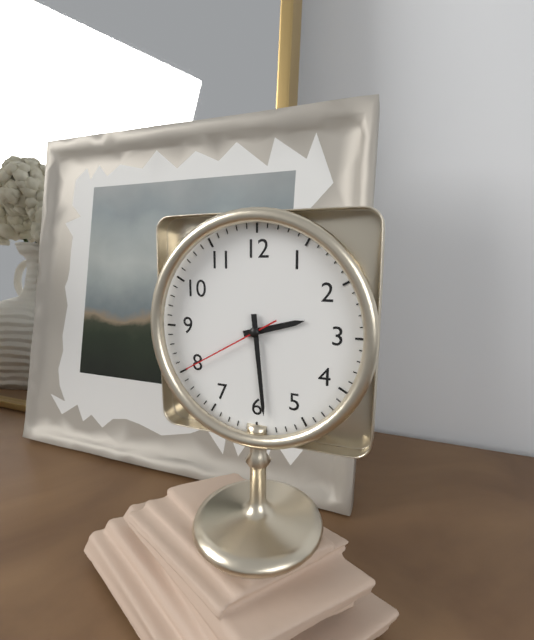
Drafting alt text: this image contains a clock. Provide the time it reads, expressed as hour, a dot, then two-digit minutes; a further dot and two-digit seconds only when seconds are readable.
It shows 2.29.40
